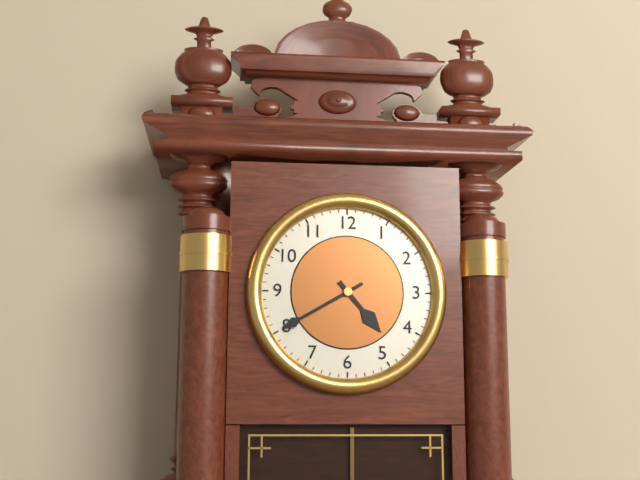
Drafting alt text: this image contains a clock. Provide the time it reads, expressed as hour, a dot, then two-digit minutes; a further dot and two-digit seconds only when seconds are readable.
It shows 4.40
